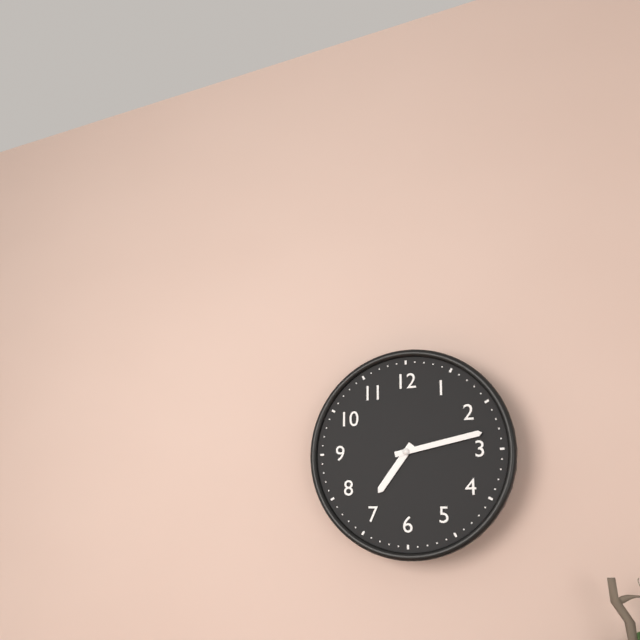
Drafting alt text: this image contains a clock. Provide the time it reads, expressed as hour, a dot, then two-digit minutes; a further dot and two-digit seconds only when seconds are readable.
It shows 7.13
